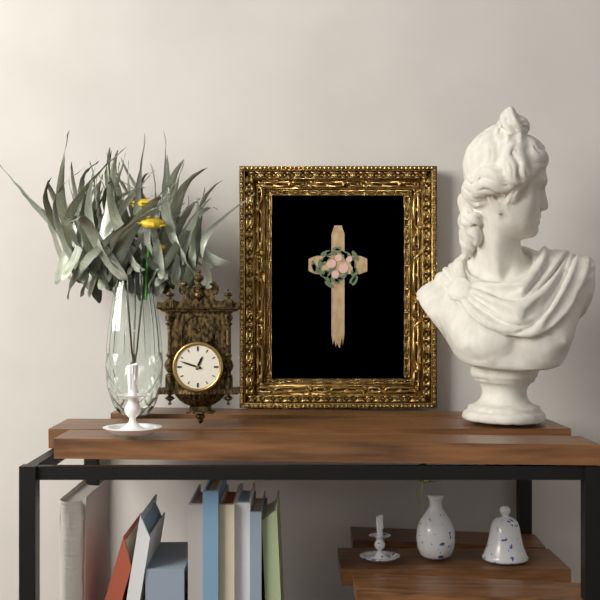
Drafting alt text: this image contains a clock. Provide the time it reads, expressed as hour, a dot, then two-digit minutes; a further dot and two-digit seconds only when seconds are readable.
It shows 12.48
